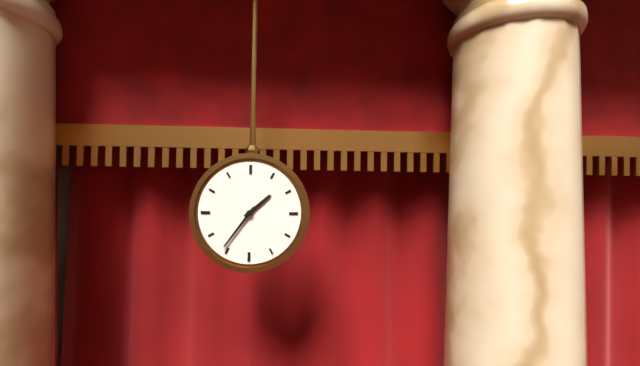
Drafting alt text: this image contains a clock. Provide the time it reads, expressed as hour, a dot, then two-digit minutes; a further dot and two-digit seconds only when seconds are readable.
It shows 1.36
